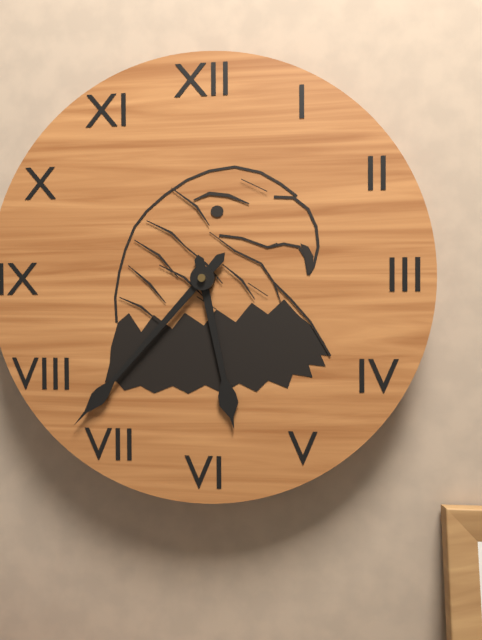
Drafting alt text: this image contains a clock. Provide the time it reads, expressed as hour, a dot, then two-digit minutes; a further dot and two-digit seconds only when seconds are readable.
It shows 5.37
